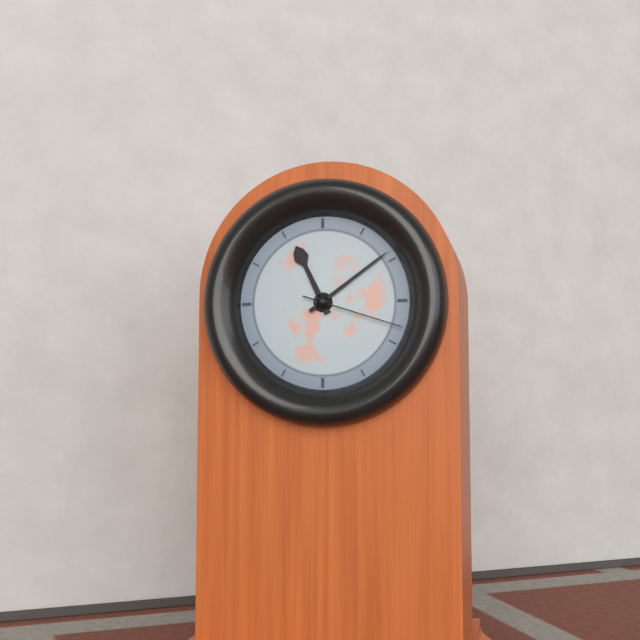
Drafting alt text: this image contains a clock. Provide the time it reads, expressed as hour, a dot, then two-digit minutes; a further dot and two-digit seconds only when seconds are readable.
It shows 11.09.18
